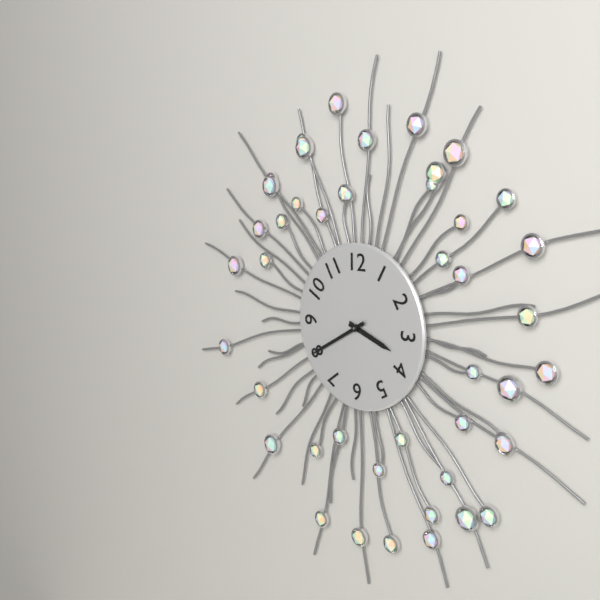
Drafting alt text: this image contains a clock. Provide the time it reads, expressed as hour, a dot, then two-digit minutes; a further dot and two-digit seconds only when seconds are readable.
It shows 3.40
